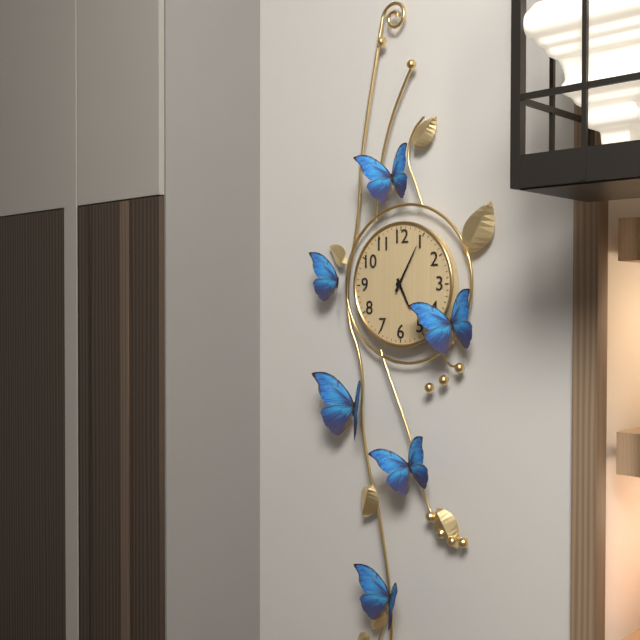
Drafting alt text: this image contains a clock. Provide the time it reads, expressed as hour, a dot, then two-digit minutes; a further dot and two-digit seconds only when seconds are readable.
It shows 5.05
